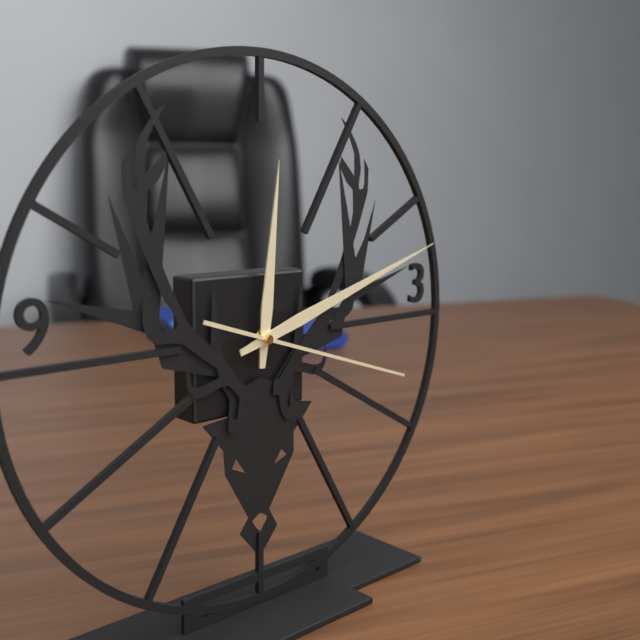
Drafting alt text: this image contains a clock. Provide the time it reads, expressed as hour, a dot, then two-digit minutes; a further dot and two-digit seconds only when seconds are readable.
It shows 12.12.18
